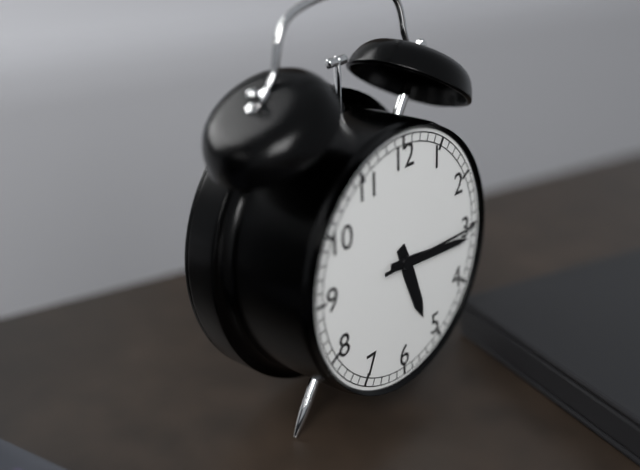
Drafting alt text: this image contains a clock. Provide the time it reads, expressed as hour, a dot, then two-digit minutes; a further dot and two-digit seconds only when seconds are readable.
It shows 5.16.15
